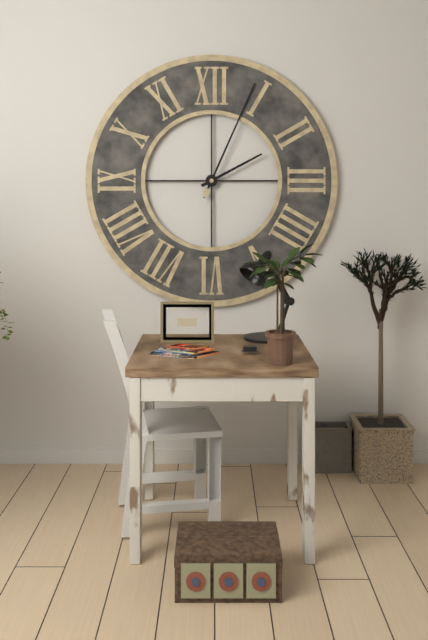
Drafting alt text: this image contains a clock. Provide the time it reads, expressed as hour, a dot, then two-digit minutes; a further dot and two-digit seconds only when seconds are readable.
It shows 2.04
